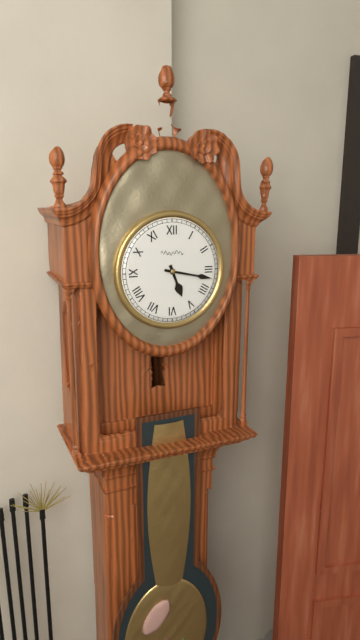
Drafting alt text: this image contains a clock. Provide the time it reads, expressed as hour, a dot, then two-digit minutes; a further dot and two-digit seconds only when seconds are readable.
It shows 5.17
